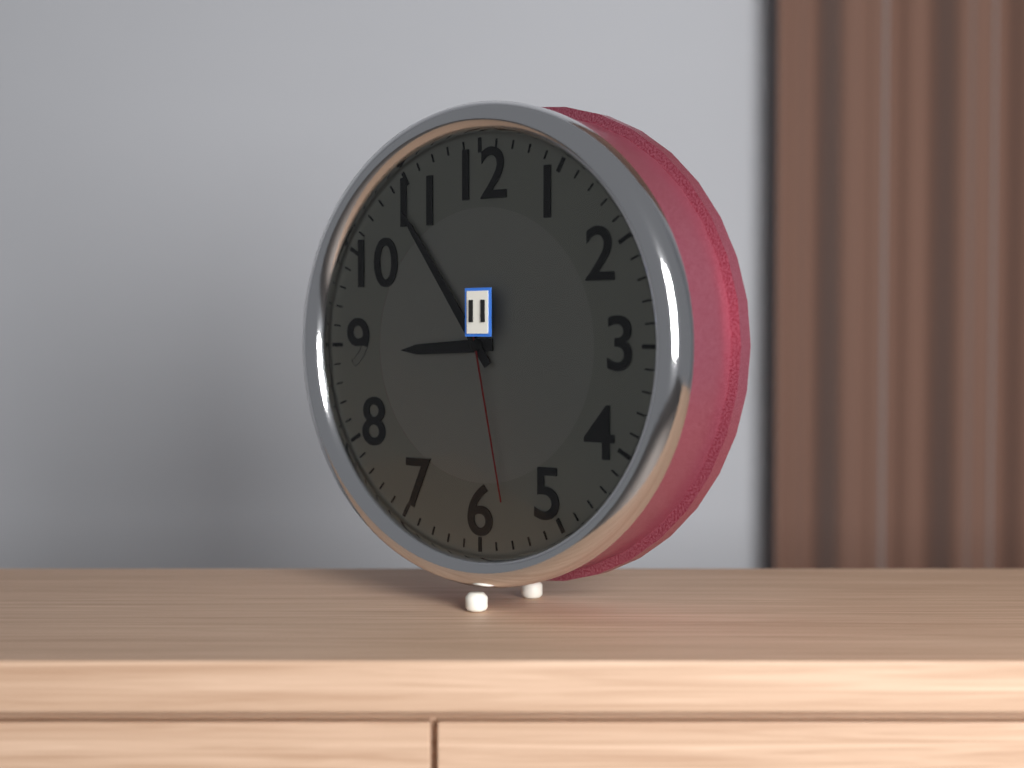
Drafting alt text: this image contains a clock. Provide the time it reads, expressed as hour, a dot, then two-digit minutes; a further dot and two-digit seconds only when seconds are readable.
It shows 8.54.28
